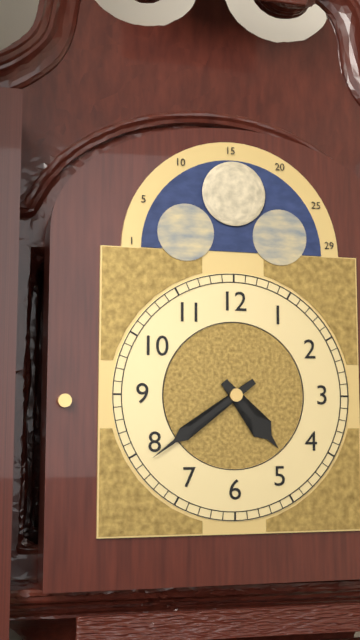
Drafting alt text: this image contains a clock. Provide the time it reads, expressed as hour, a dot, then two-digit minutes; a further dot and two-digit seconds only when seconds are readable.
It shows 4.39
